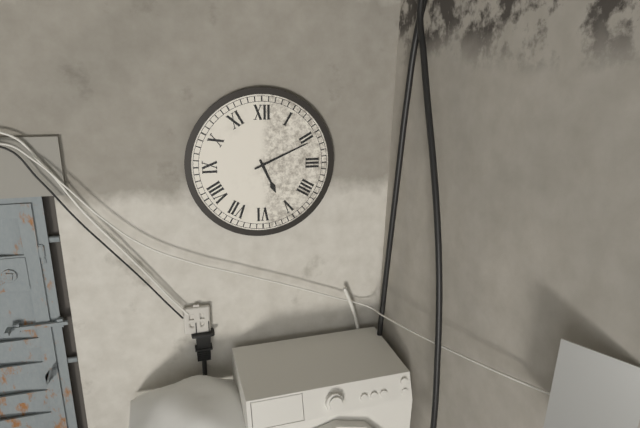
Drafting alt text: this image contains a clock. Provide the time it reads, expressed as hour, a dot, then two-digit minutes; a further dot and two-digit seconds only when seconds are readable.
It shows 5.11
